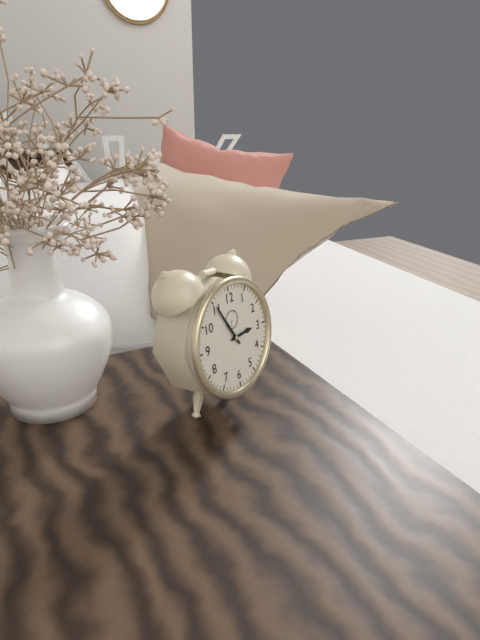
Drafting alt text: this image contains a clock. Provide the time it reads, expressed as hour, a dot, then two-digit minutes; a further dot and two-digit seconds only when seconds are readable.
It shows 2.55
